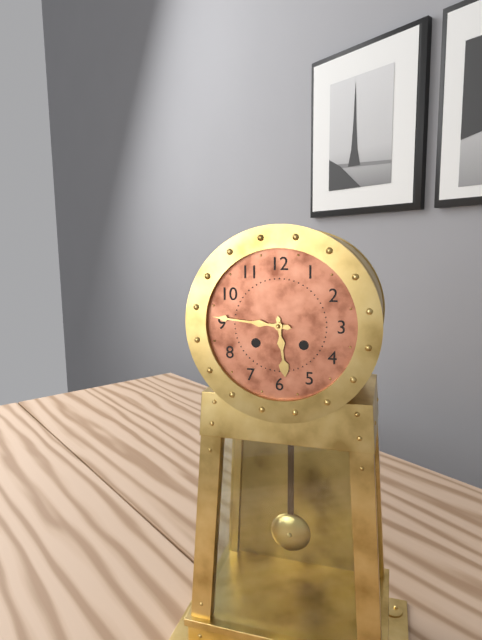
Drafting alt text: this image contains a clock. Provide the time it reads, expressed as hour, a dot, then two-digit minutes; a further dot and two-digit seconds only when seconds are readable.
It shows 5.46
